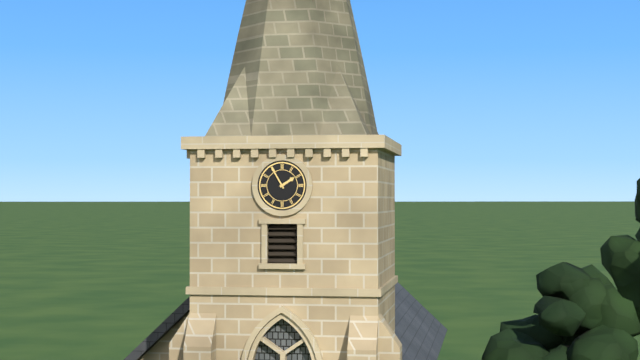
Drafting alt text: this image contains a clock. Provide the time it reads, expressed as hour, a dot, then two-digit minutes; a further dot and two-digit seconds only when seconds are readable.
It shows 1.55
